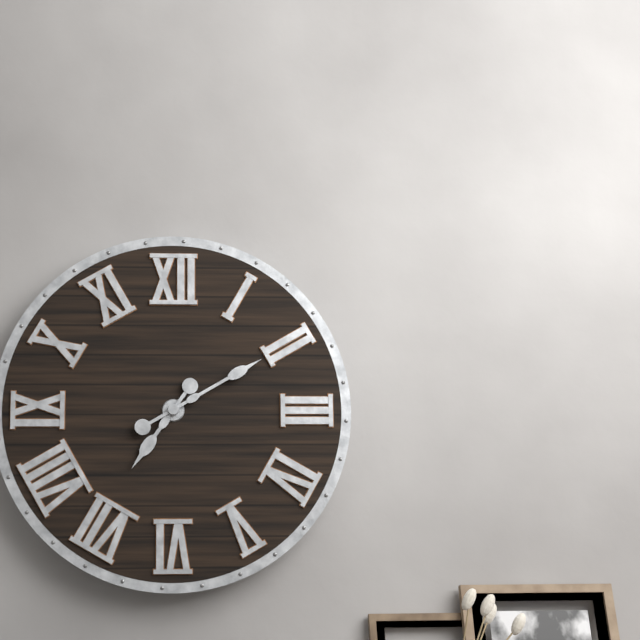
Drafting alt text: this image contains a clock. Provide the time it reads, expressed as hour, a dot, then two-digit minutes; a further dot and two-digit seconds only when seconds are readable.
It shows 7.10
